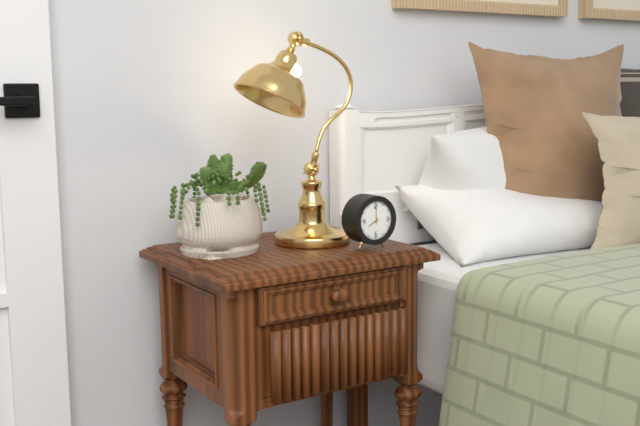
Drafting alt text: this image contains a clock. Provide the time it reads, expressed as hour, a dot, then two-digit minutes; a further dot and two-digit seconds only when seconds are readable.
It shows 8.00
